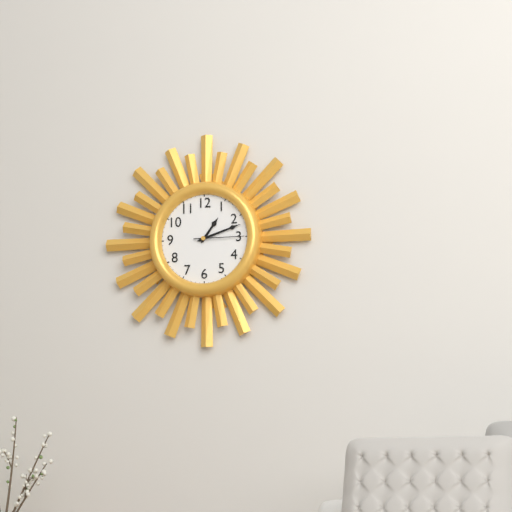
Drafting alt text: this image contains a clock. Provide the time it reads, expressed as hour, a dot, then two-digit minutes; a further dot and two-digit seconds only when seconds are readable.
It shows 1.12.15
